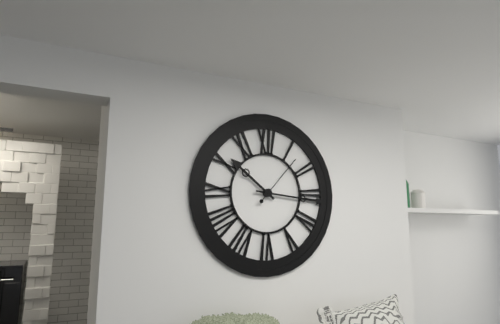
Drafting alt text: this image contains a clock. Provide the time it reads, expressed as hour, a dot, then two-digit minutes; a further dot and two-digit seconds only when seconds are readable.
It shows 10.16.07
